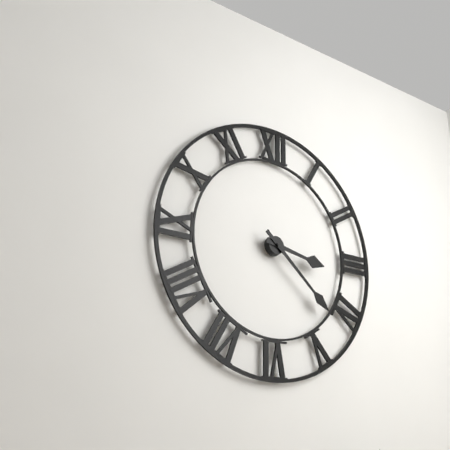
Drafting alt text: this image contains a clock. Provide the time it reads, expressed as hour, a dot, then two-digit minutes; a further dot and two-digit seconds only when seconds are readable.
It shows 3.22
